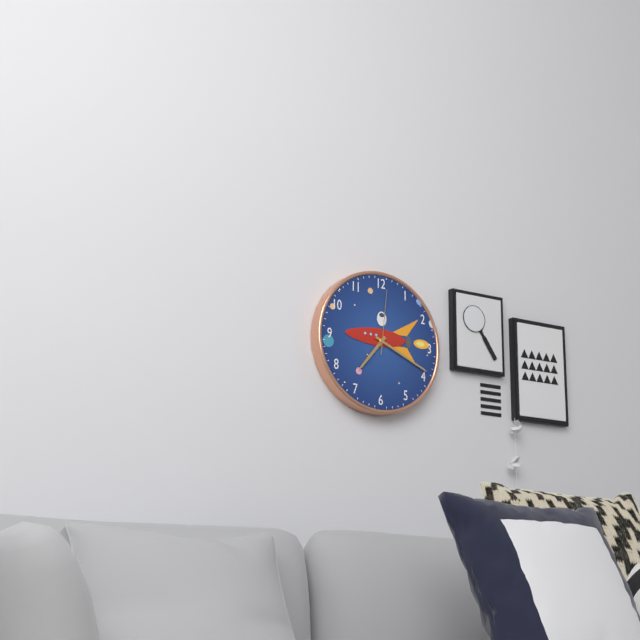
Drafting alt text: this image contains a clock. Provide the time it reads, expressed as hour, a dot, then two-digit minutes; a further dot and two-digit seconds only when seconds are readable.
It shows 7.19.01
